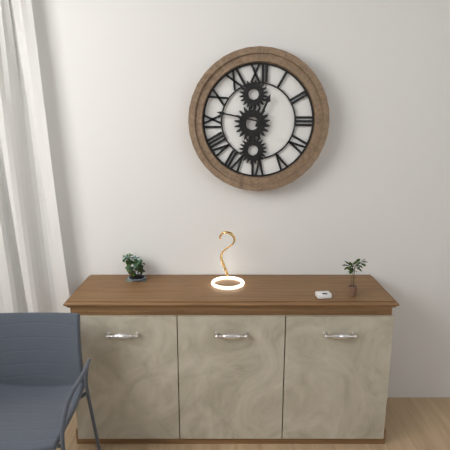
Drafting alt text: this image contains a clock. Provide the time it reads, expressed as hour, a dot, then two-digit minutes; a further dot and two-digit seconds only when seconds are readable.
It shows 12.47
